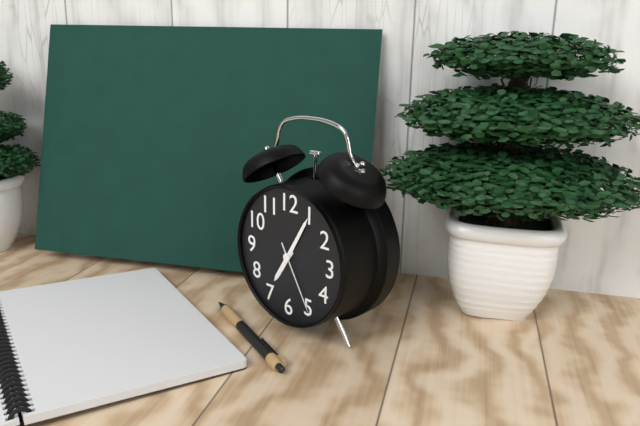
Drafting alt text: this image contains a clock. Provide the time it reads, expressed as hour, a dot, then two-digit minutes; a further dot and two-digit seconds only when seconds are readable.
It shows 7.05.25
